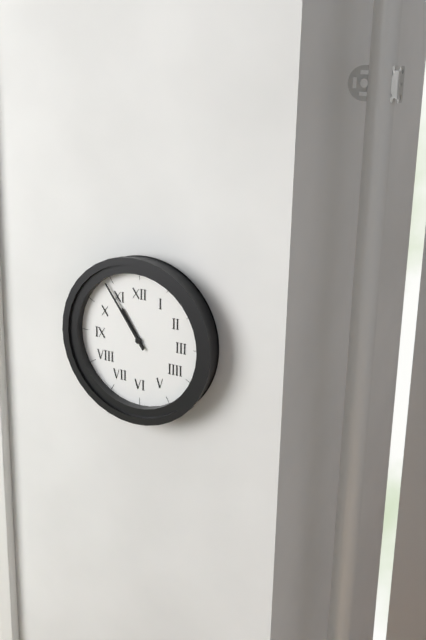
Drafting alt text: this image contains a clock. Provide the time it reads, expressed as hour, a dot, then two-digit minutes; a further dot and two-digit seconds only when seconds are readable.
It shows 10.54
